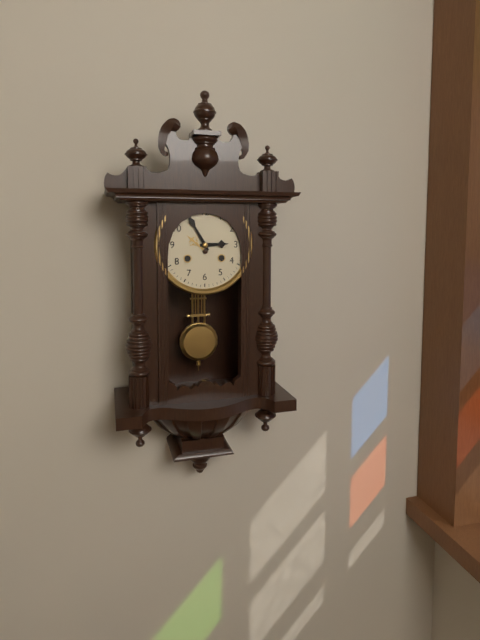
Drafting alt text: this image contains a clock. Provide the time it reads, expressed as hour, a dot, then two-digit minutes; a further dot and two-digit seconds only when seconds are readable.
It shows 2.55
